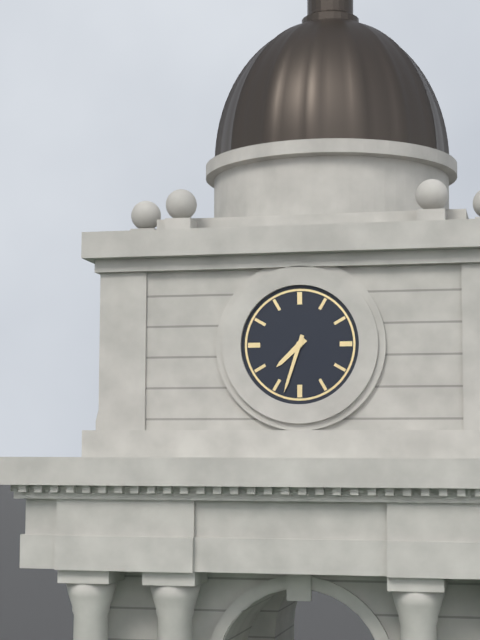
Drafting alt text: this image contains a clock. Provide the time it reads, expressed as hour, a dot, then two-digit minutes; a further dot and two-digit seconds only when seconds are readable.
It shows 7.33
